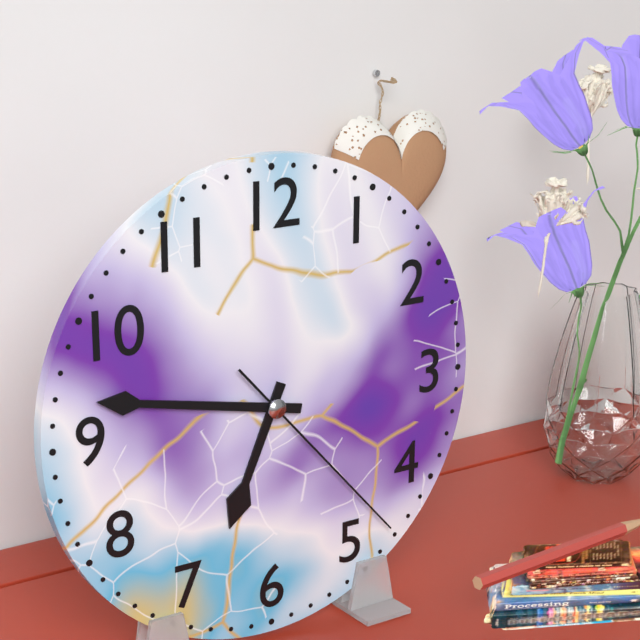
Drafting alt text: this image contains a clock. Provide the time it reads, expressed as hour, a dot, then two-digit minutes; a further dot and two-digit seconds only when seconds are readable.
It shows 6.47.23
